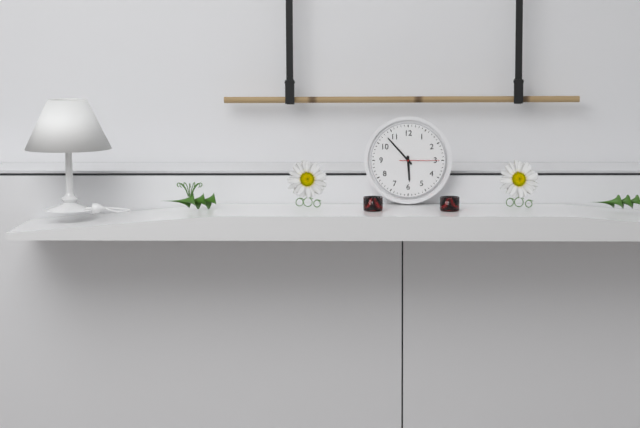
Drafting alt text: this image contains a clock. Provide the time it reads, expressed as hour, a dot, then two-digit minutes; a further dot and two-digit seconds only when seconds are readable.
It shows 5.53
